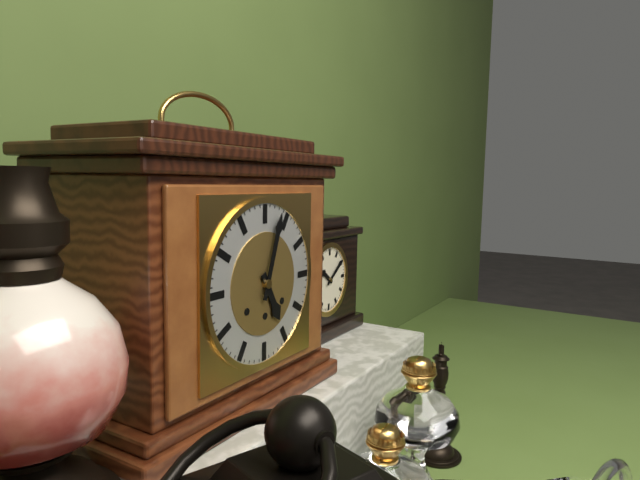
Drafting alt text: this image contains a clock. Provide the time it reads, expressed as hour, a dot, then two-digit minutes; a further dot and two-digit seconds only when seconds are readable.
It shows 5.03
